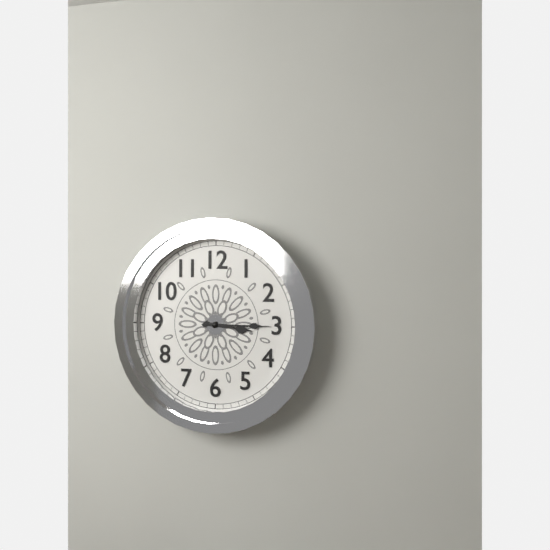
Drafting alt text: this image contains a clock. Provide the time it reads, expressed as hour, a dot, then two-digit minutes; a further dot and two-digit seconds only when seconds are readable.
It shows 3.15
